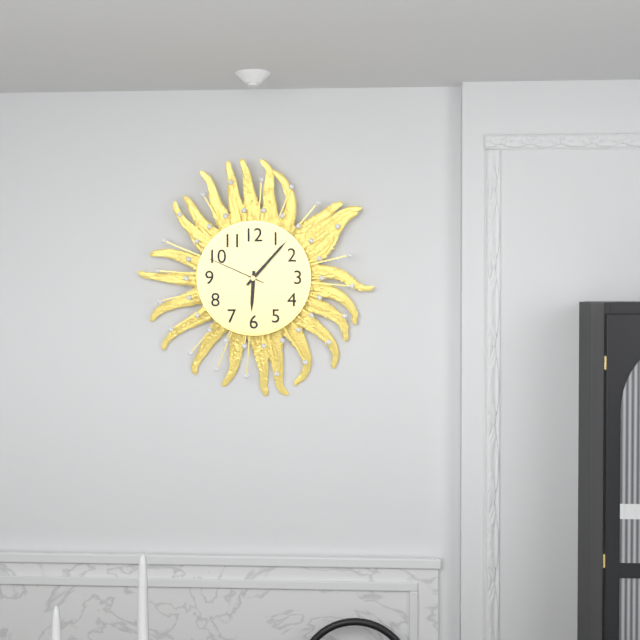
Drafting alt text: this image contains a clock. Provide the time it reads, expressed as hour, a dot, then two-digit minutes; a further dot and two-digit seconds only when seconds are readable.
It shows 6.07.49
